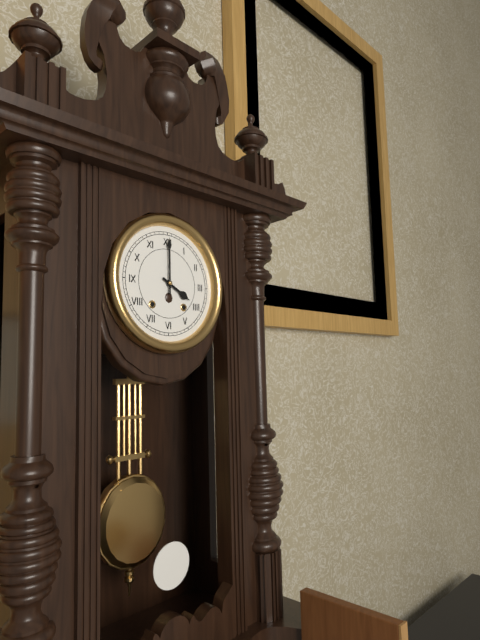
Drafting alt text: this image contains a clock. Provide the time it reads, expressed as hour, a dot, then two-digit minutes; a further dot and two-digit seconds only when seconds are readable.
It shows 4.00
